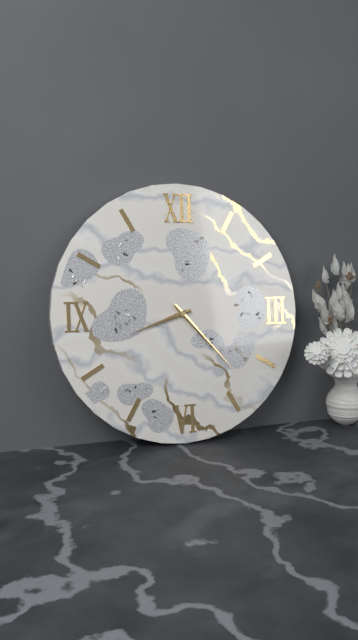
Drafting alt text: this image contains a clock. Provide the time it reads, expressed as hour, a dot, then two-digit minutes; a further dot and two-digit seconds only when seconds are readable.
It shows 8.23
